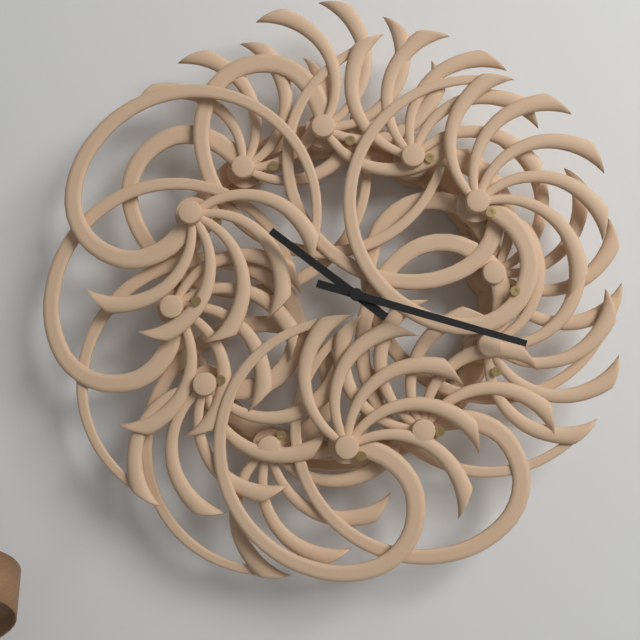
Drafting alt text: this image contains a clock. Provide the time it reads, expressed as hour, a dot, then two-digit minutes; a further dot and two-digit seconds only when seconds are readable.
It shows 10.18
